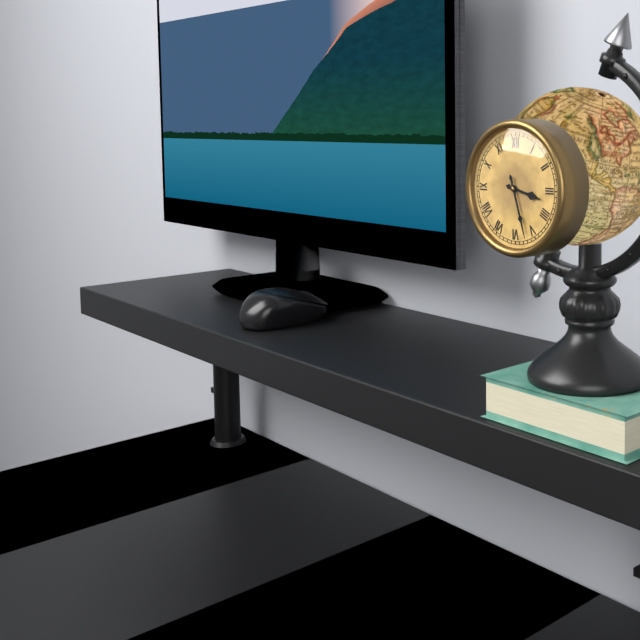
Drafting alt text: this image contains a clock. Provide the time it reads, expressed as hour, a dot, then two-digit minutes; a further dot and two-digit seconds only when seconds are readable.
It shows 3.27
